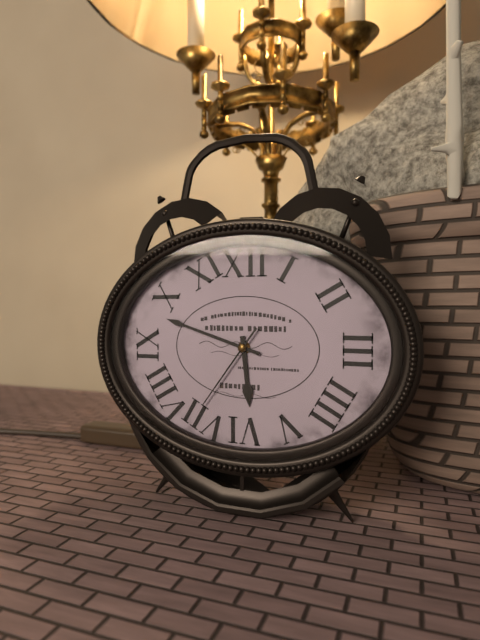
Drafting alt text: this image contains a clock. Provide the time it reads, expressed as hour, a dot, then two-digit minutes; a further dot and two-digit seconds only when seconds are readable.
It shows 5.48.36
